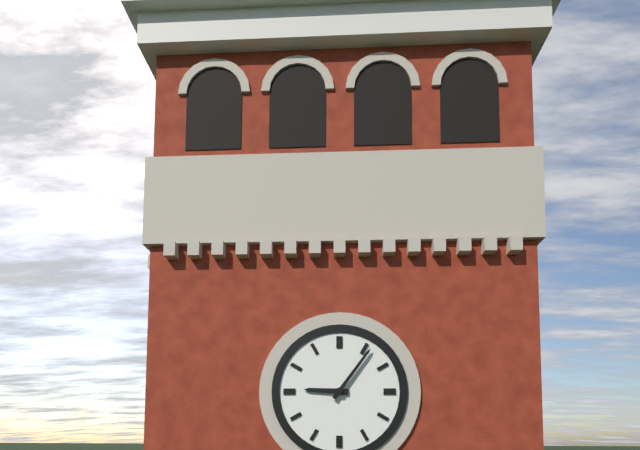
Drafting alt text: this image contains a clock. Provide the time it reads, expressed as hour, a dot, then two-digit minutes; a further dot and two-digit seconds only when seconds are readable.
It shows 9.06
